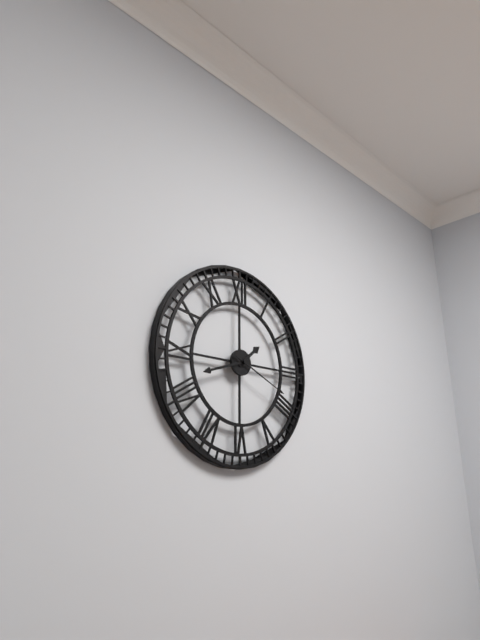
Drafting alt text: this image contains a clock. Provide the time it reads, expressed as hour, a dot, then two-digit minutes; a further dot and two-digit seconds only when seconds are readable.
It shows 1.42.19
